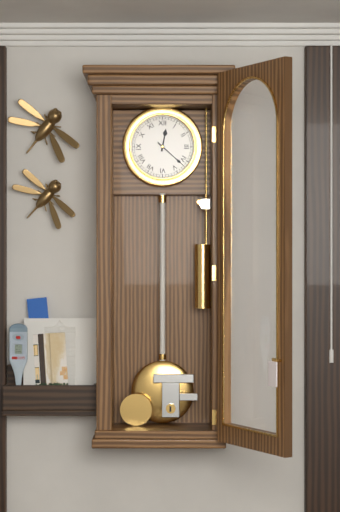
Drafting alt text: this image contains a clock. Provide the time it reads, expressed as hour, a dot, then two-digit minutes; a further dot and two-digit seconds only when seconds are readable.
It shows 12.22
